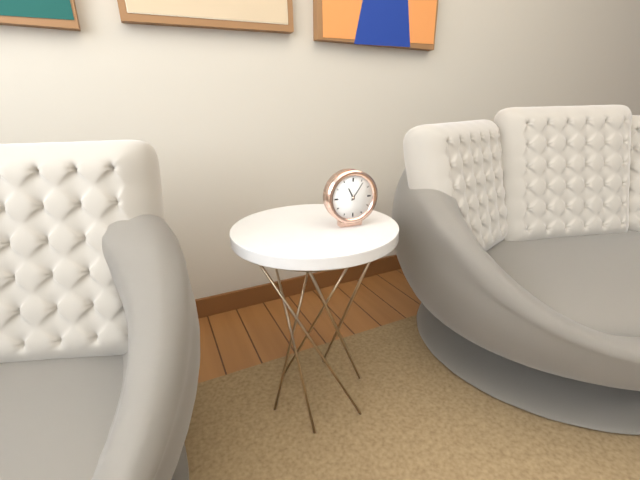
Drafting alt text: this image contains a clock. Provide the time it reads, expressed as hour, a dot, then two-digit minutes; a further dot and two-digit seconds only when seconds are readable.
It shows 11.06
